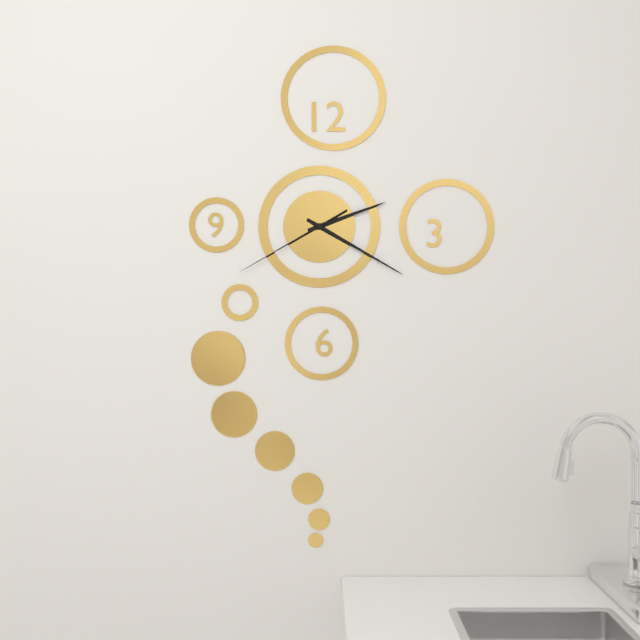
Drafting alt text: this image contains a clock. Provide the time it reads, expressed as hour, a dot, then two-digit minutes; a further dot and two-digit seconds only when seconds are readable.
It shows 2.20.40
